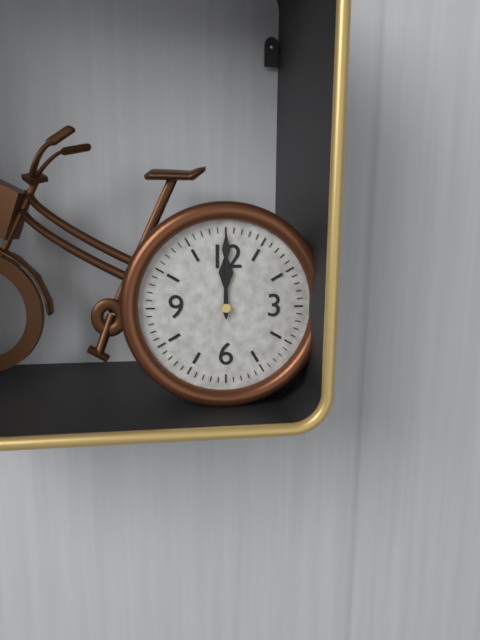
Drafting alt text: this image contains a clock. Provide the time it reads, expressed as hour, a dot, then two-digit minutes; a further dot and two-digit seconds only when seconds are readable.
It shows 12.00
